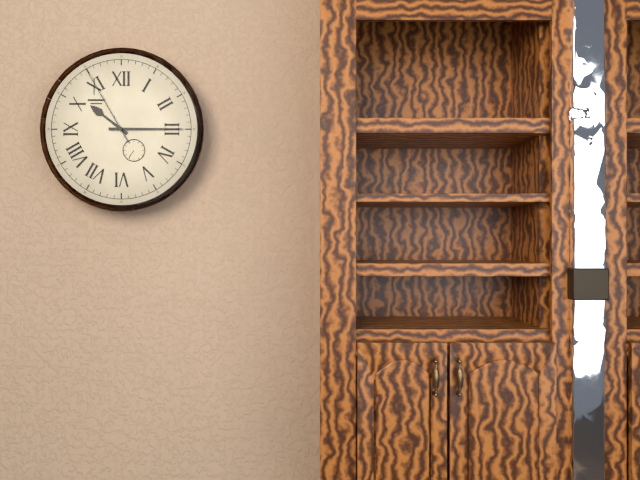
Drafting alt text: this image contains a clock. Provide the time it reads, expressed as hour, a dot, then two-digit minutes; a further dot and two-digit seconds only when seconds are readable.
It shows 10.15.55
